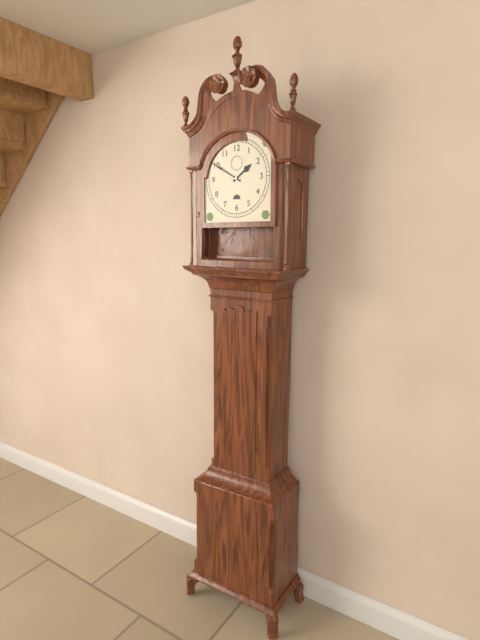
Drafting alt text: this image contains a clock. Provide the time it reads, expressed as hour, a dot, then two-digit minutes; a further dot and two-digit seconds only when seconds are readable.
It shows 1.50
